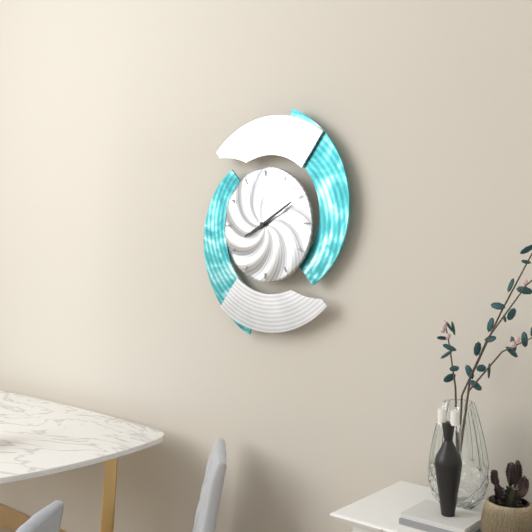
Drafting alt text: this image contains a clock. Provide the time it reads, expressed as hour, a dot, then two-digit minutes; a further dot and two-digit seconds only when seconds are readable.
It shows 8.10
